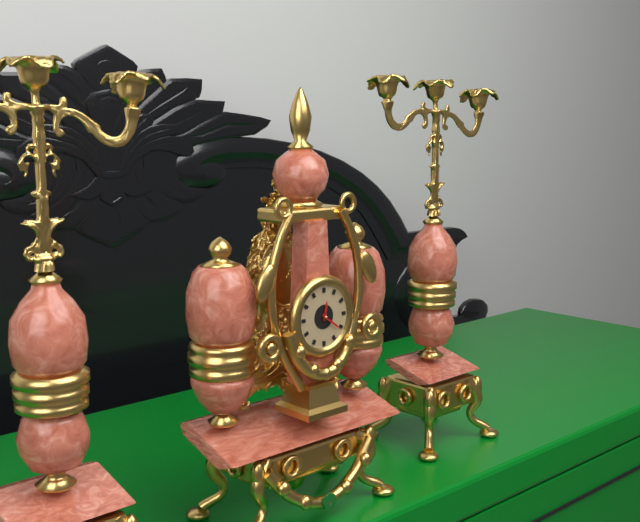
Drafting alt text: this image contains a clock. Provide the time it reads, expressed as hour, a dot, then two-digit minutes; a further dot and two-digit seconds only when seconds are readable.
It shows 12.21
